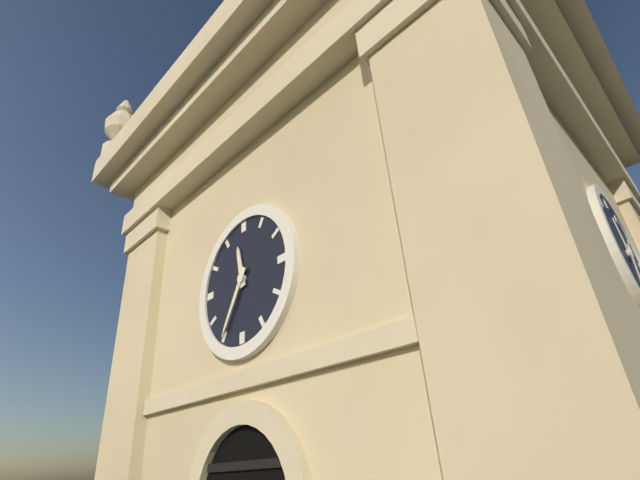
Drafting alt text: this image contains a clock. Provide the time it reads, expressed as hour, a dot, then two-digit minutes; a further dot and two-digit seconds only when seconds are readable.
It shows 11.35
